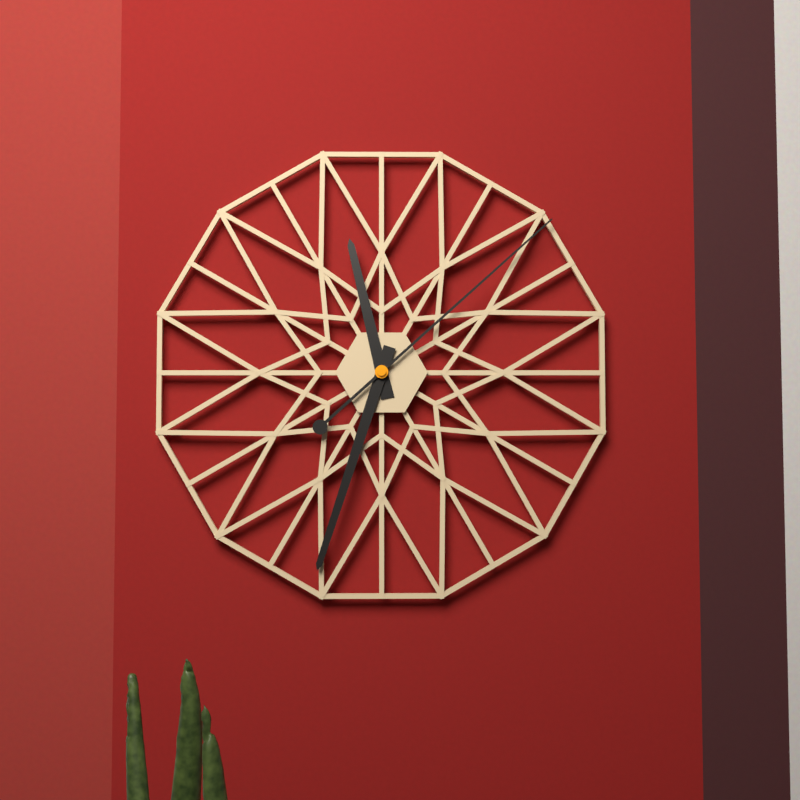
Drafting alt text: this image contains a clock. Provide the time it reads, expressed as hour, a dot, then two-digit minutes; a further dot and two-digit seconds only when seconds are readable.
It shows 11.33.08
